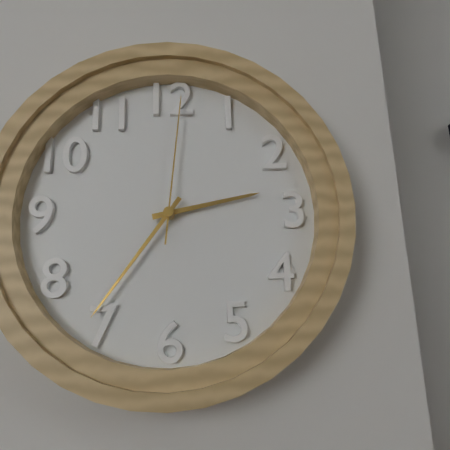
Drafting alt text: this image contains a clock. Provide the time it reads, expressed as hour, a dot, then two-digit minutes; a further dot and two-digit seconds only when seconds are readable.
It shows 2.36.01
